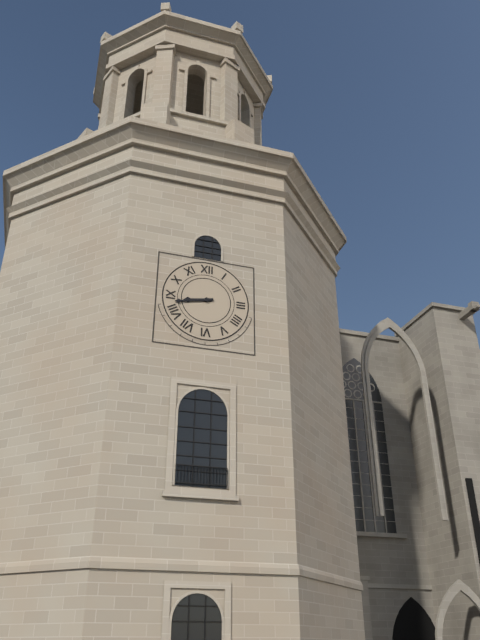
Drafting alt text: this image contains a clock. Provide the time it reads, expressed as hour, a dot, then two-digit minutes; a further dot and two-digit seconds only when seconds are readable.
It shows 8.43
